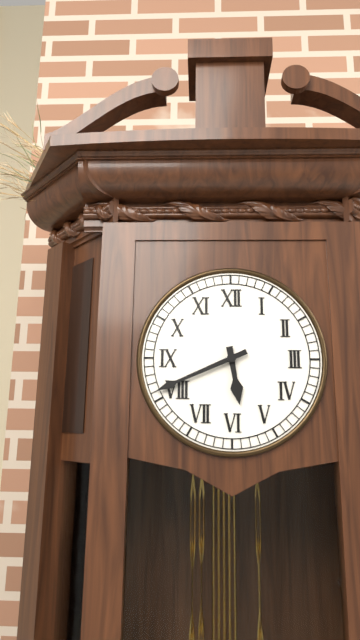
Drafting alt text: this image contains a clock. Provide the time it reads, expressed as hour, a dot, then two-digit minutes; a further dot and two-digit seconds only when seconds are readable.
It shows 5.41
